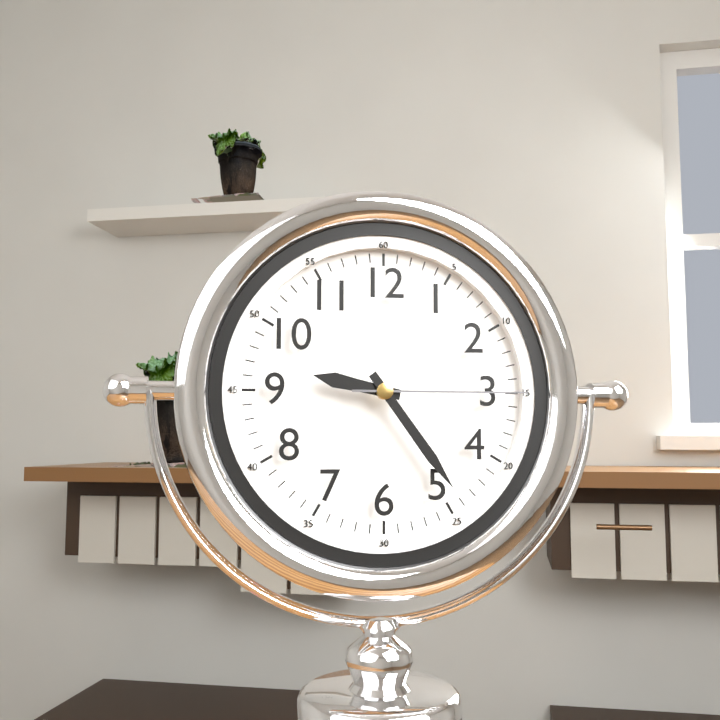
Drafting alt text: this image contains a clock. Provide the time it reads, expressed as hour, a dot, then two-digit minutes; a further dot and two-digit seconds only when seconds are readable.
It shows 9.24.15
